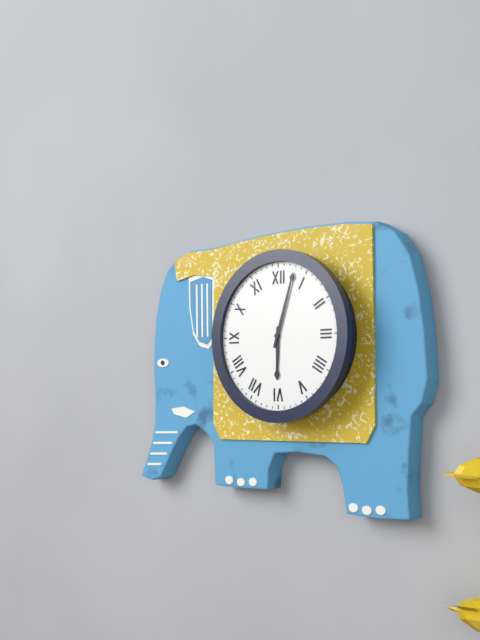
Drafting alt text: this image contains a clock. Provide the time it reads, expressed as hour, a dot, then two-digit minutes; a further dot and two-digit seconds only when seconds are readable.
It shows 6.03
